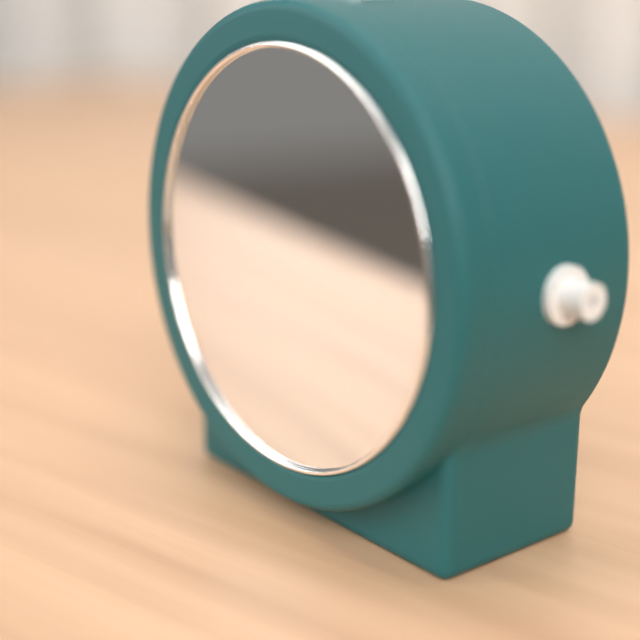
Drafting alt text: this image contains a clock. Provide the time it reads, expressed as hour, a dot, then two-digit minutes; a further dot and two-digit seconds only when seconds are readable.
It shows 7.39.20
